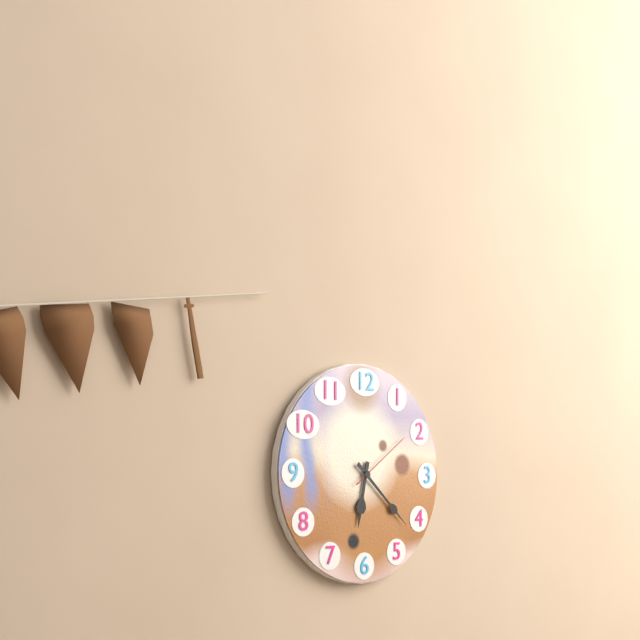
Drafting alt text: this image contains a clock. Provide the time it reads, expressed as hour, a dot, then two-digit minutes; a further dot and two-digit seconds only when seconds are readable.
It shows 6.22.09
